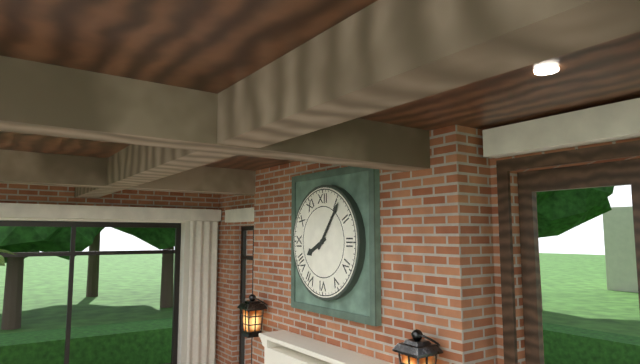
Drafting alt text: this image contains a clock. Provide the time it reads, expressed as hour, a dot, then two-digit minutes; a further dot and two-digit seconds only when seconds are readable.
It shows 8.06
